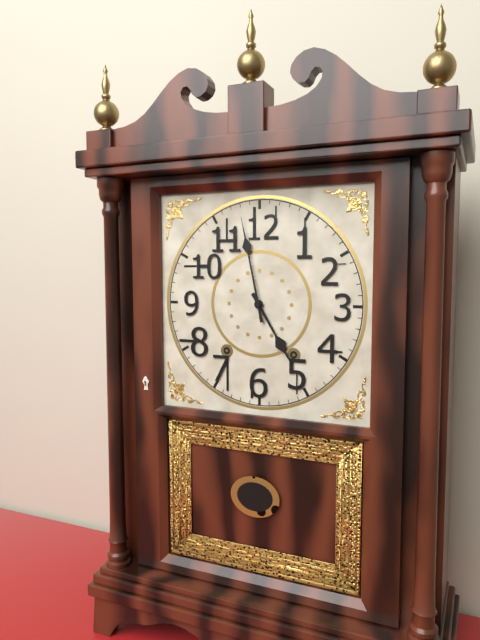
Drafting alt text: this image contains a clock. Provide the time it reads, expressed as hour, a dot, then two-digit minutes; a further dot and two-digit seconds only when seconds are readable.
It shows 4.58
